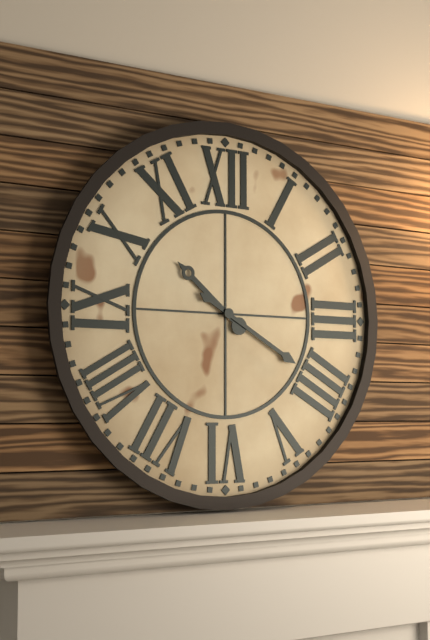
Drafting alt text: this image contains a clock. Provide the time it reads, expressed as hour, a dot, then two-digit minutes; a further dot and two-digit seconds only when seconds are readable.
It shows 10.20
